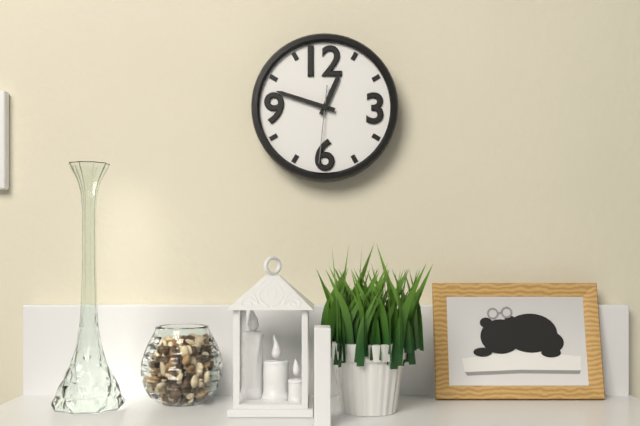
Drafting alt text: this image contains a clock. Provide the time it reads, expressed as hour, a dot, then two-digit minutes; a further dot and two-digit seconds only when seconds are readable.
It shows 12.48.31
